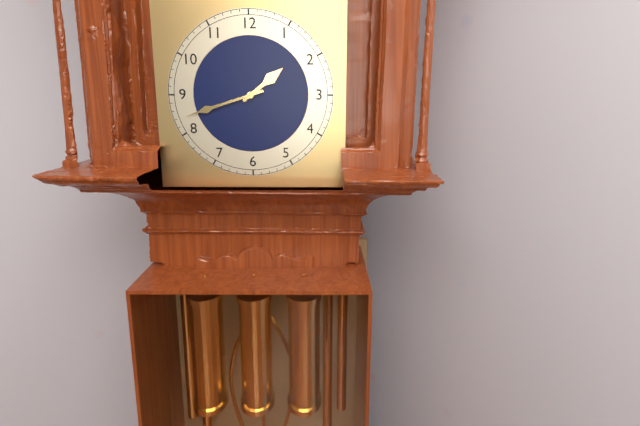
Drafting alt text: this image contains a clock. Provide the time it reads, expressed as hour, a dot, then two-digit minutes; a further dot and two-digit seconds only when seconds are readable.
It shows 1.42
